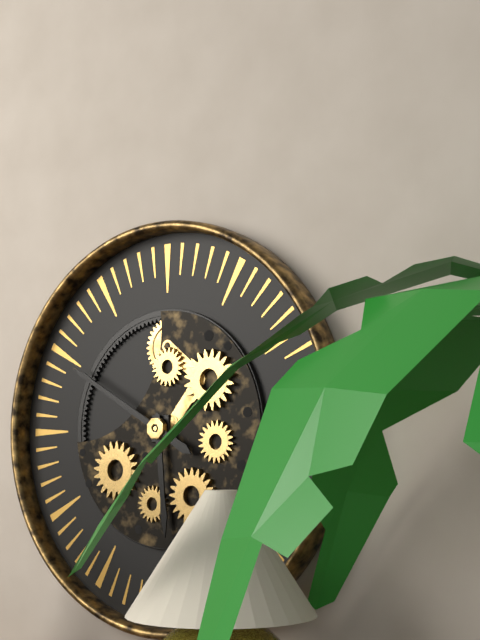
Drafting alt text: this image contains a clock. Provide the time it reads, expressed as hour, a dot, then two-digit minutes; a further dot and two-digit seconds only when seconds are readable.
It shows 5.50
